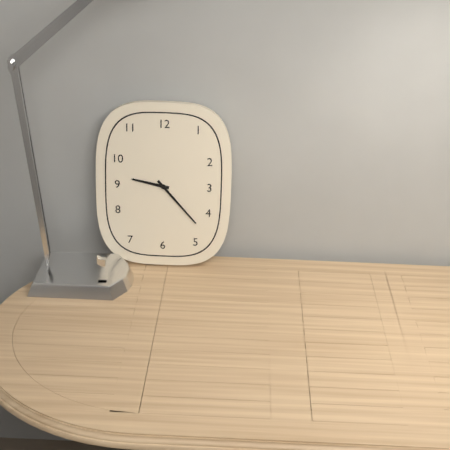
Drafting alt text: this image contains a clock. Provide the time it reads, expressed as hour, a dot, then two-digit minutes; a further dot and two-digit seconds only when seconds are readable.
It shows 9.23
